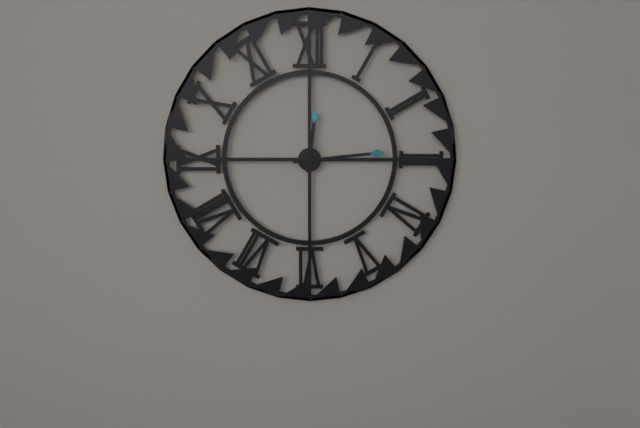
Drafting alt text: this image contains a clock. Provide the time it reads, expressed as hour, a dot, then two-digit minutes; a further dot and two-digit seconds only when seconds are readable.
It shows 12.14
